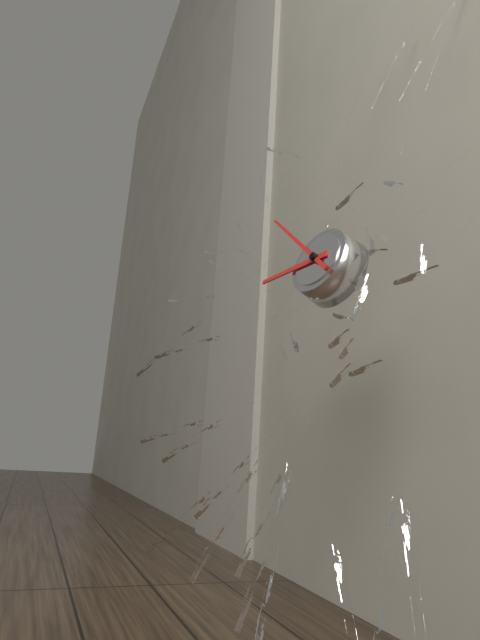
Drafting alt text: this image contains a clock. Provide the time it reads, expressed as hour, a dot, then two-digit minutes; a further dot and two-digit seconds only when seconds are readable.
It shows 8.52
